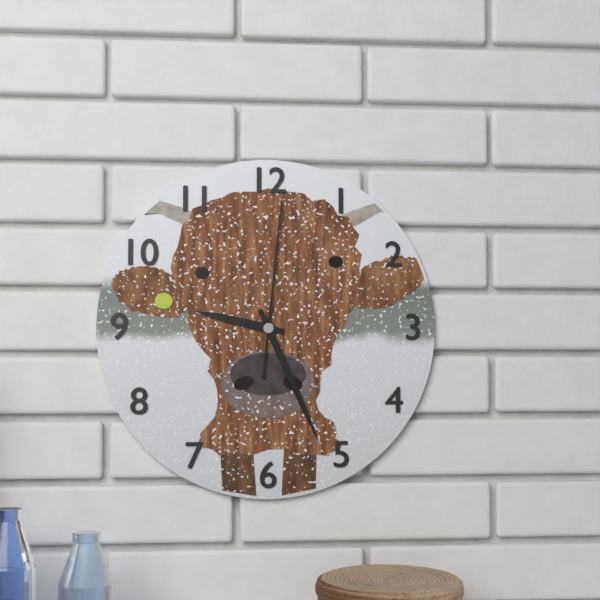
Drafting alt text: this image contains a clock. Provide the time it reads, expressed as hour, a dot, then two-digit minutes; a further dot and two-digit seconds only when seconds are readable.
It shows 9.26.01
